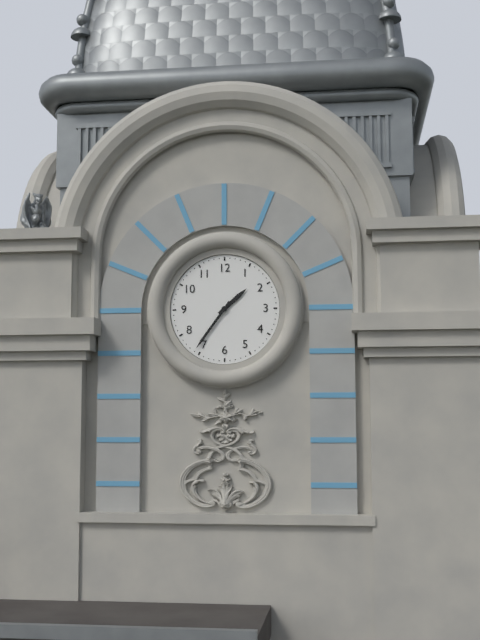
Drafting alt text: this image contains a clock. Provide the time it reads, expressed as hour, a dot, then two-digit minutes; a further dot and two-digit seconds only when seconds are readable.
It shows 1.36
